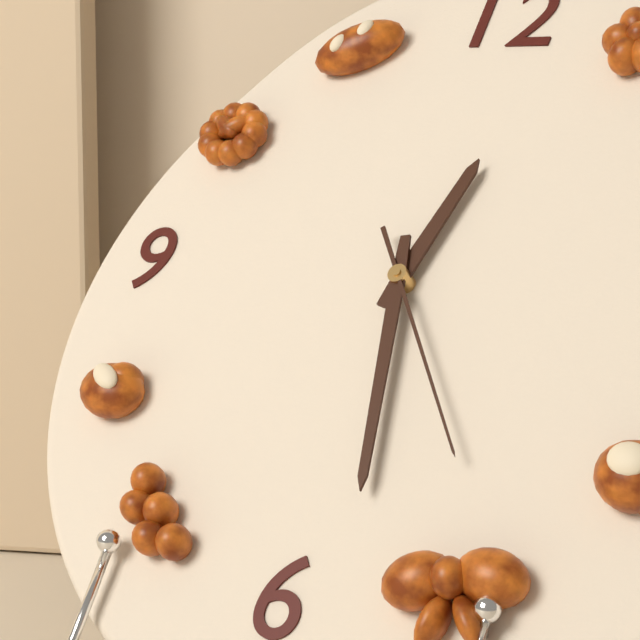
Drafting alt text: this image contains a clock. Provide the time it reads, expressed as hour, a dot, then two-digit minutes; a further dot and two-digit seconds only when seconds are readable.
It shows 12.28.24
